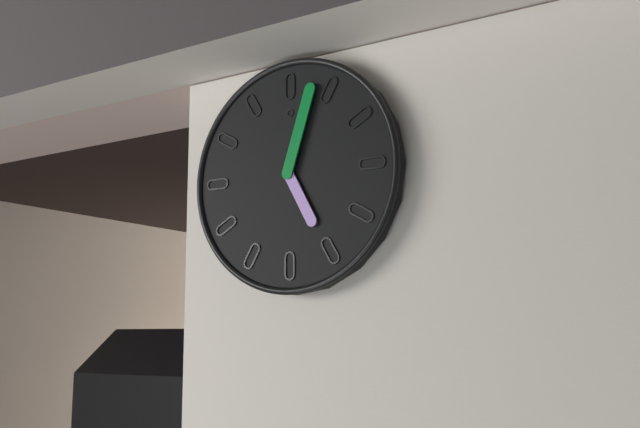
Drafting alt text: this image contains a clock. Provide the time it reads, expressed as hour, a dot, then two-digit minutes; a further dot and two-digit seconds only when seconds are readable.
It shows 5.03
